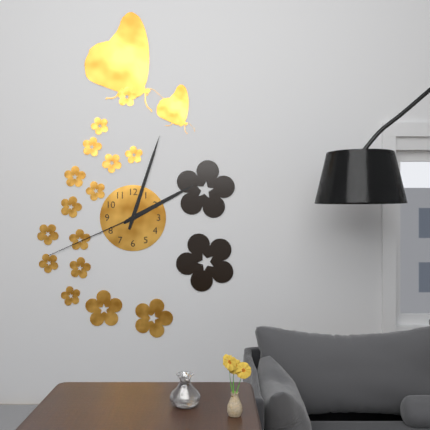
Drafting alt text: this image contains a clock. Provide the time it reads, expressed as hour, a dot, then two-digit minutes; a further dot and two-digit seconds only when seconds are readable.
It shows 2.03.41
